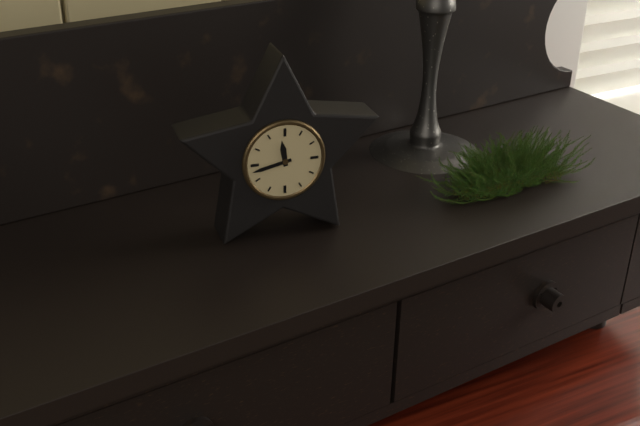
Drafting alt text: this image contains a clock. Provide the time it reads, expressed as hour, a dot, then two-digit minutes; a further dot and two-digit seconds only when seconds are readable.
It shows 11.43
